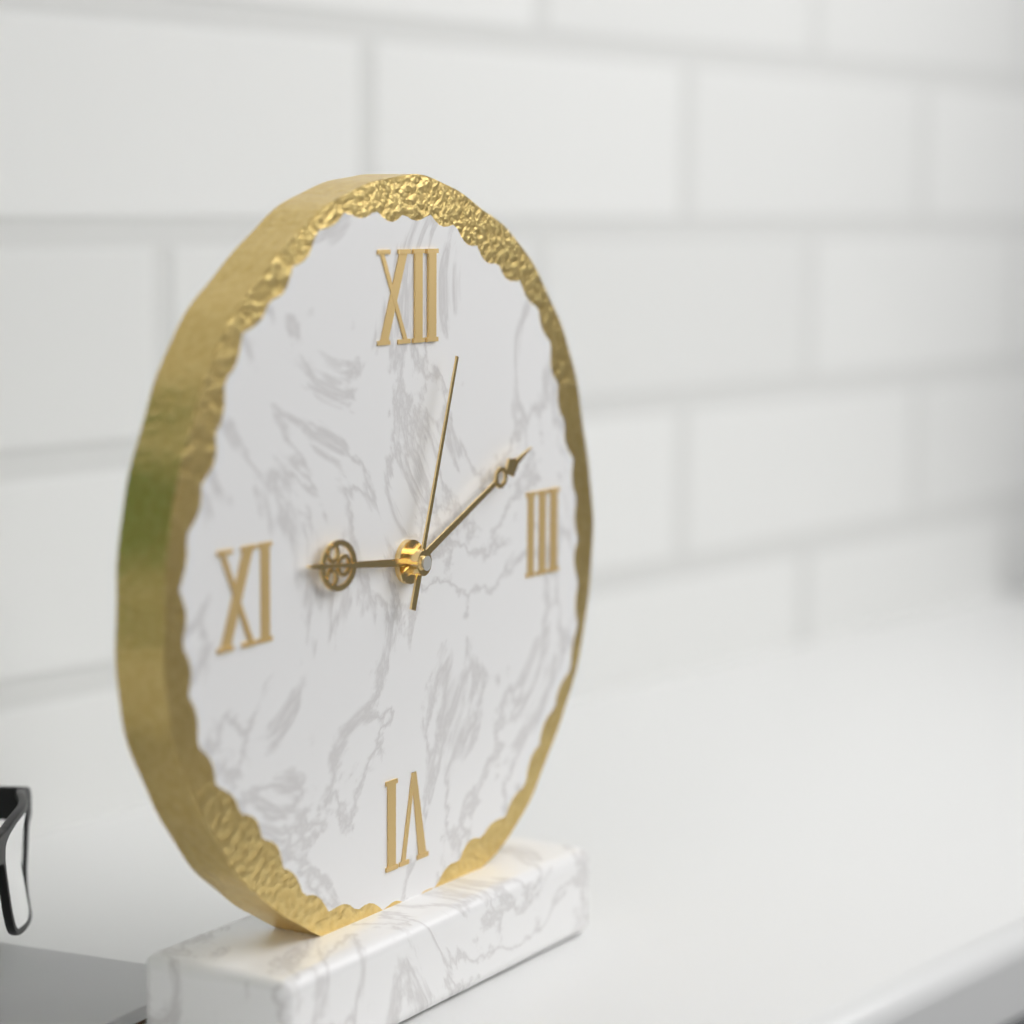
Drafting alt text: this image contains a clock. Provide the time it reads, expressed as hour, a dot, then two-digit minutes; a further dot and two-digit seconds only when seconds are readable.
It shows 9.11.03
